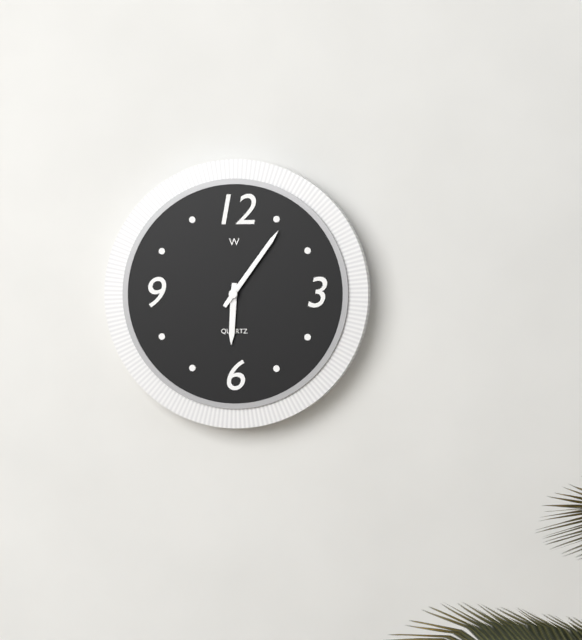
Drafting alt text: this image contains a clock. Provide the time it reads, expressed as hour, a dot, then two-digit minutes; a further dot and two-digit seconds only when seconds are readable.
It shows 6.06
